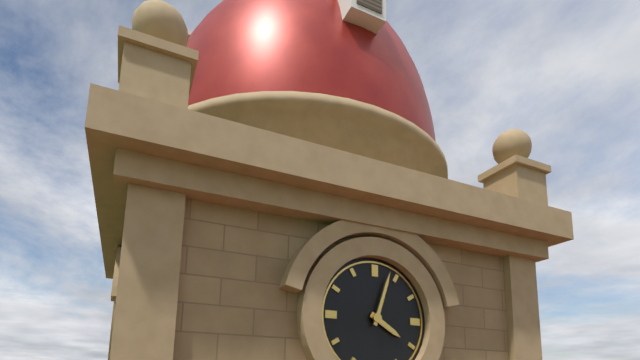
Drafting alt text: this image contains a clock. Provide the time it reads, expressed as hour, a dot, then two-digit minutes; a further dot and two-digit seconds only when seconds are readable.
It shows 4.03
